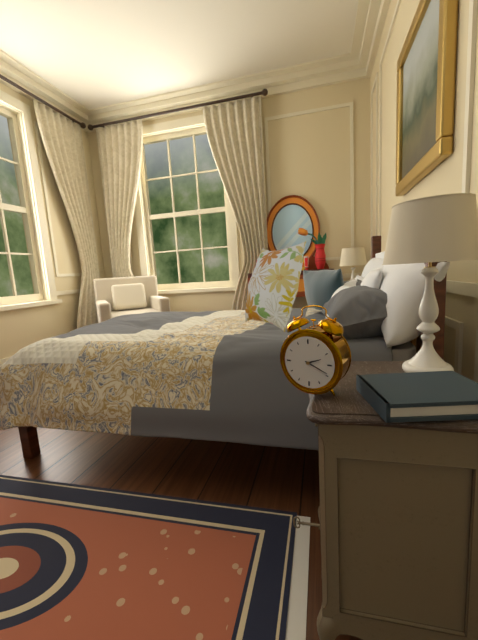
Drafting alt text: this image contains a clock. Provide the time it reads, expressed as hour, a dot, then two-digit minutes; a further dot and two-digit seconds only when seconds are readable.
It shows 2.19
